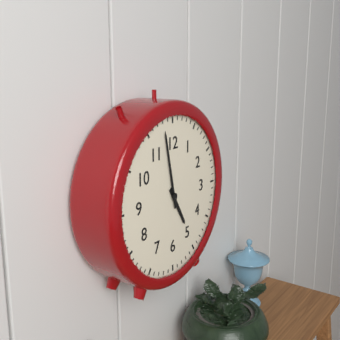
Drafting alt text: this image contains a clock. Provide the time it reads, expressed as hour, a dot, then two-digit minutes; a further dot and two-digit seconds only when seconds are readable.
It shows 4.58
